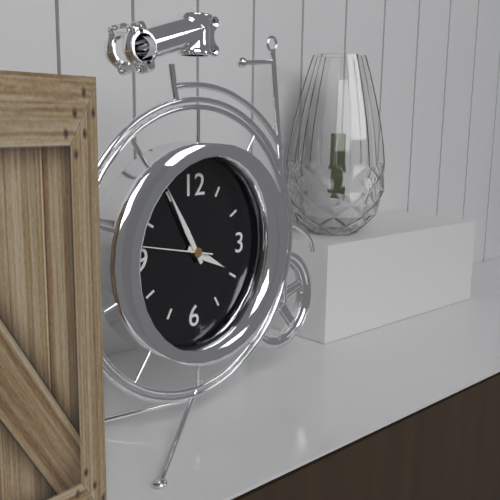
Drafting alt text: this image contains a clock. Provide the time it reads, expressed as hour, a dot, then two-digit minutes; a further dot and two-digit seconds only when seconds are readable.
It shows 3.55.47
